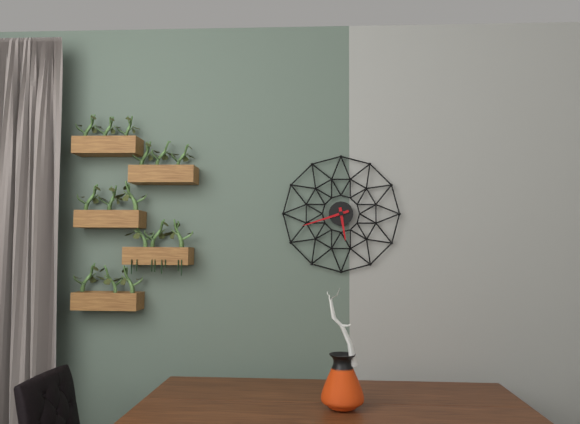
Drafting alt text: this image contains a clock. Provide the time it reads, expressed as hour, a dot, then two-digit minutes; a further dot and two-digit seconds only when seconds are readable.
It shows 5.42
